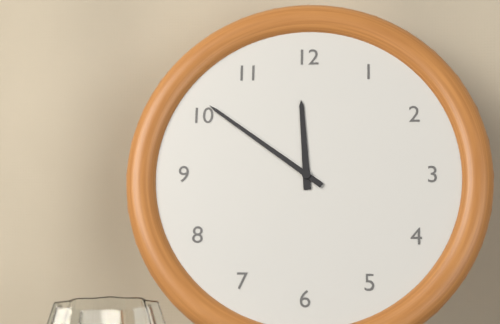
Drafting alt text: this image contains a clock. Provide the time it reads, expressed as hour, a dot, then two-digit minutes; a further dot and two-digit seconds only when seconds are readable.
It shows 11.51
